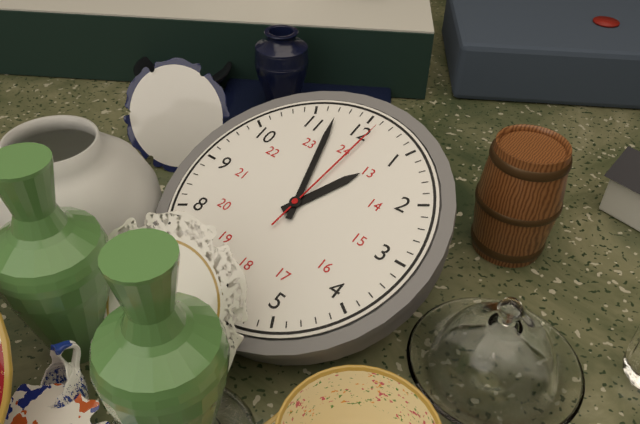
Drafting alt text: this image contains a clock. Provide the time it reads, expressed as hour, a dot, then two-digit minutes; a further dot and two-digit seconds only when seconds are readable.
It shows 12.57.01
